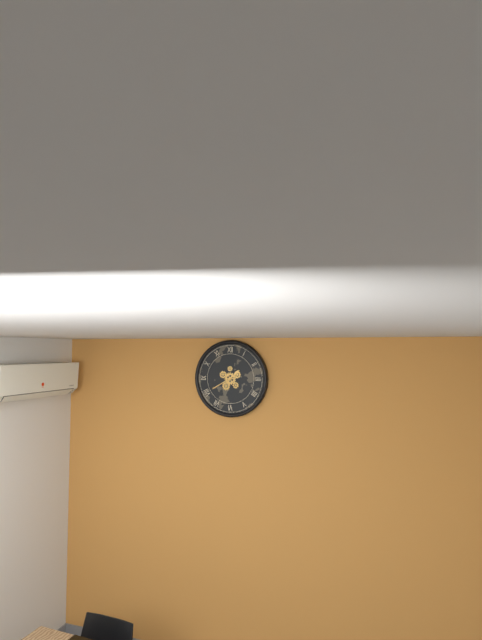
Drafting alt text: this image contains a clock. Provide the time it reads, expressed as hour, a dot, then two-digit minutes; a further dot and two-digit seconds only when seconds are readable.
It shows 1.40
